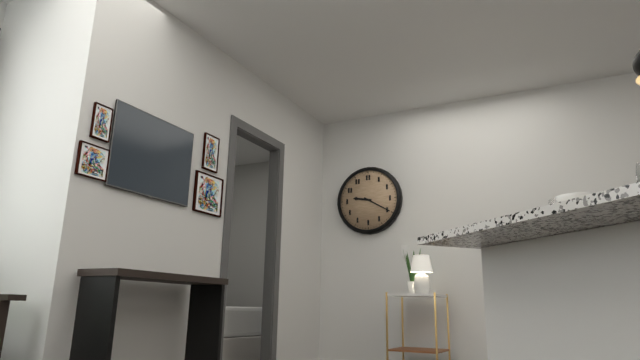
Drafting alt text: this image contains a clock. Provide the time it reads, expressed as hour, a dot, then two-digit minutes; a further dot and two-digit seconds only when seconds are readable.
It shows 9.20
